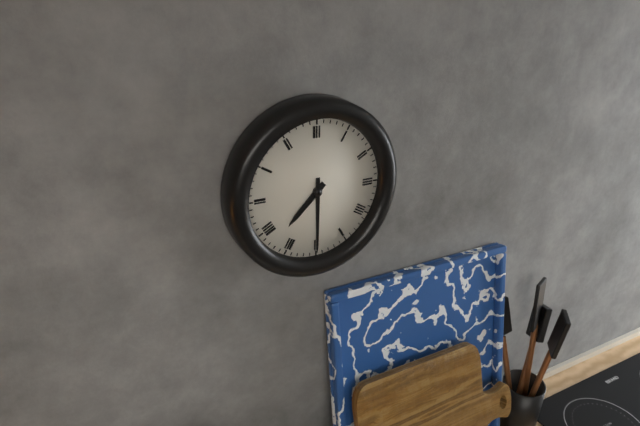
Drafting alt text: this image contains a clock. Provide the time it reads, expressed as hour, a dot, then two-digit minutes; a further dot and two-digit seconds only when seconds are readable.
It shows 7.30
